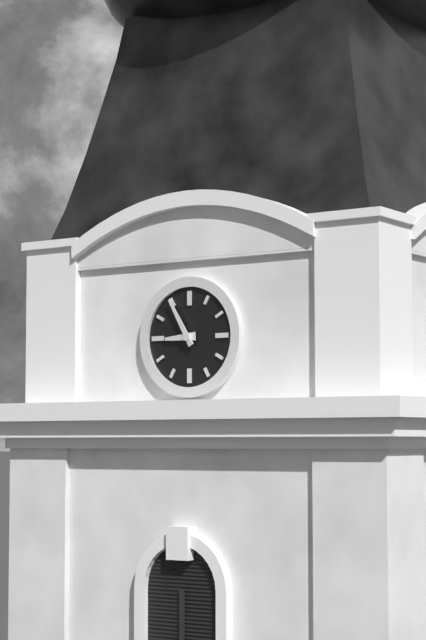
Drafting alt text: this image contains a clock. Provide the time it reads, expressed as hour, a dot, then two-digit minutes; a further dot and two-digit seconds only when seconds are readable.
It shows 8.55
